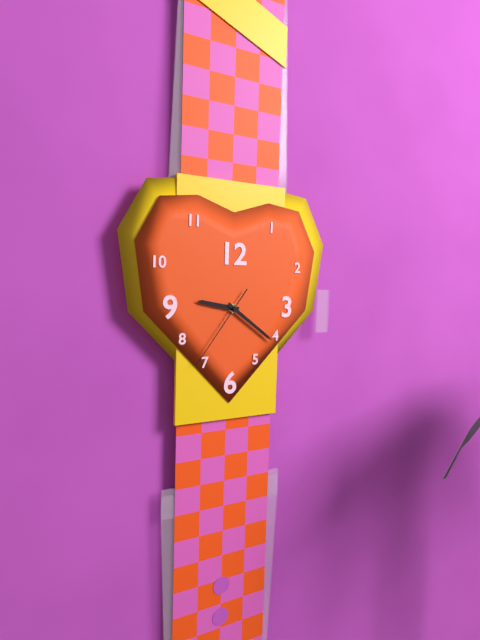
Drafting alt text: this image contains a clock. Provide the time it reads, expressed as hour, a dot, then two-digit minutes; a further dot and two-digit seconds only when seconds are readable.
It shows 9.21.36
